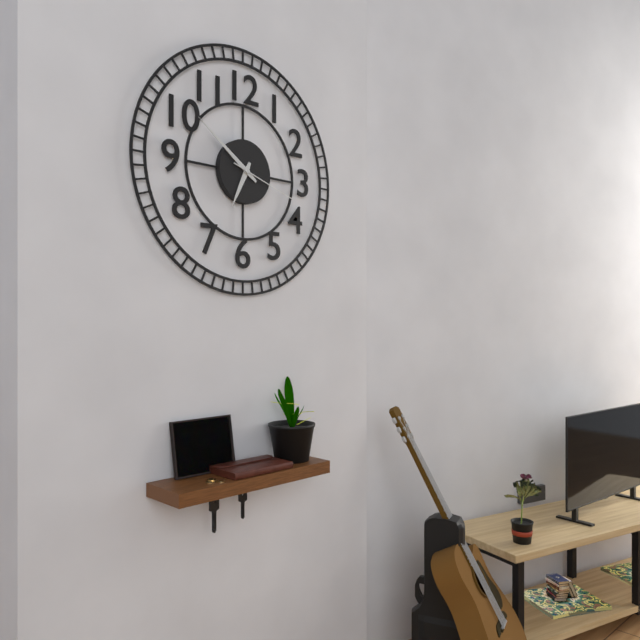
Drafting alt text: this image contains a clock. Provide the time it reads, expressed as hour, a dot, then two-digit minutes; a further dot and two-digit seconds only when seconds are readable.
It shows 6.51.18
